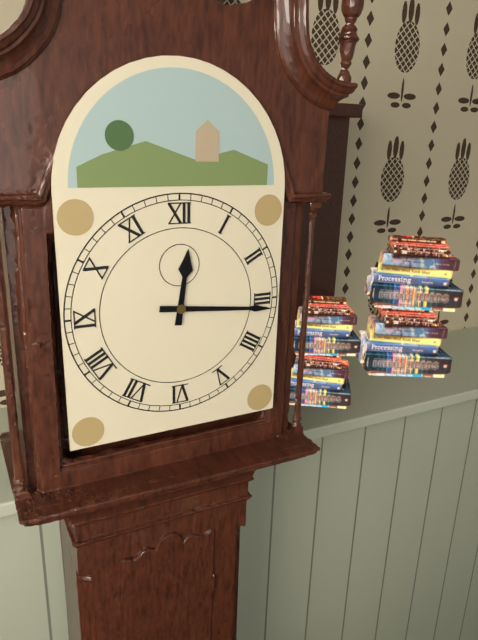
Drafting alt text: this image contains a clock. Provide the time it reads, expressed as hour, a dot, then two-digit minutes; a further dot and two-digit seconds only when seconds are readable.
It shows 12.16
